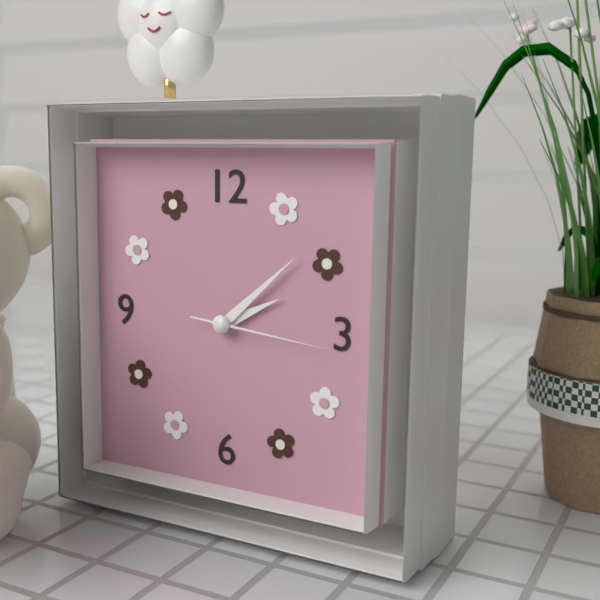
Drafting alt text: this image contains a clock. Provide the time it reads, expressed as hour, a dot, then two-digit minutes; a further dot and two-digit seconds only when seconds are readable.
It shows 2.08.16
